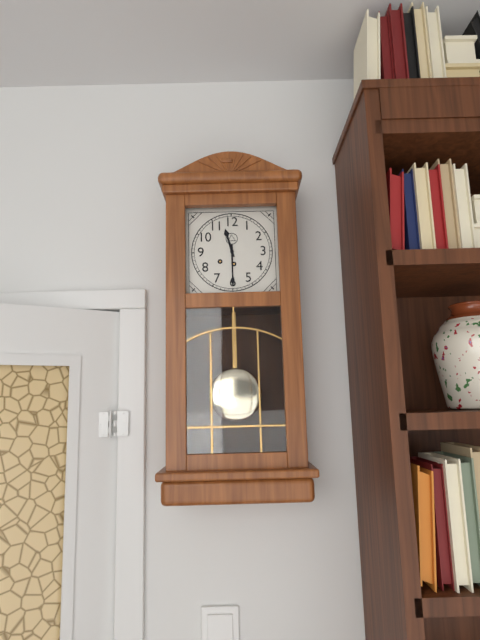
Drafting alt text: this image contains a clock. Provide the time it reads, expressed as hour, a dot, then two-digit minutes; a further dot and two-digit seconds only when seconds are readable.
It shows 11.30
